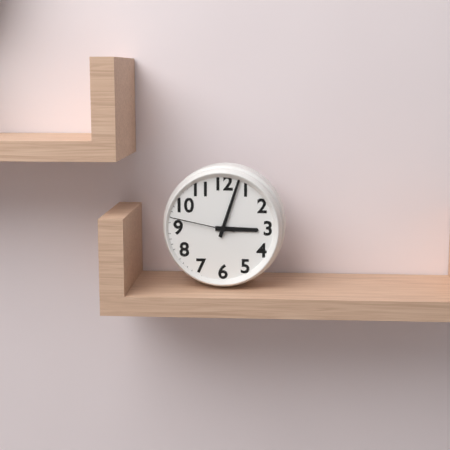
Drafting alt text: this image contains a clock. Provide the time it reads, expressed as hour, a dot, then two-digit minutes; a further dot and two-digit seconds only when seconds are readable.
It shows 3.03.47
